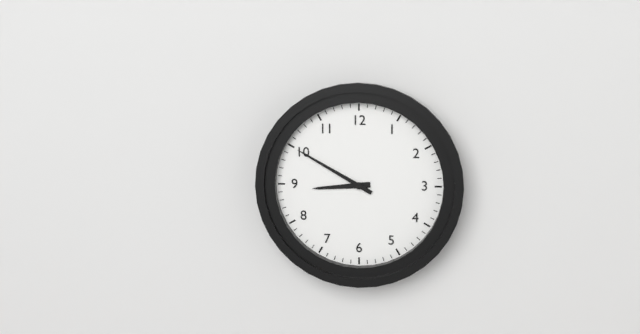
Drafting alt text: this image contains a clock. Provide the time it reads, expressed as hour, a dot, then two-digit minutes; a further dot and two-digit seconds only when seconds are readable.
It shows 8.50
